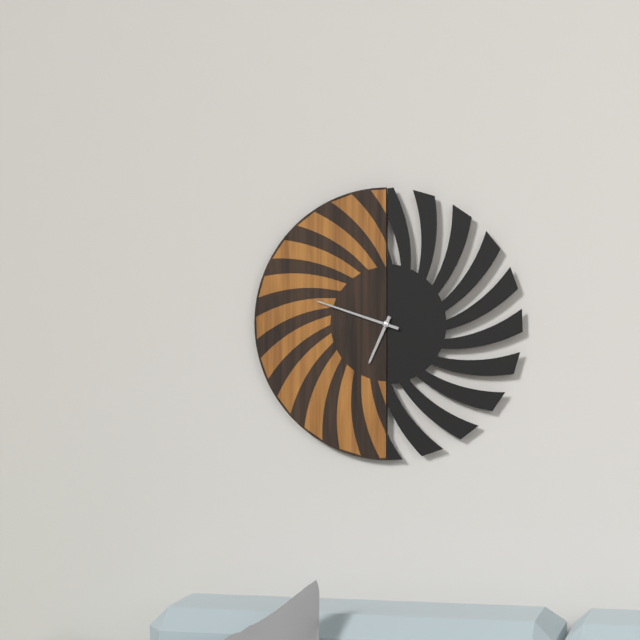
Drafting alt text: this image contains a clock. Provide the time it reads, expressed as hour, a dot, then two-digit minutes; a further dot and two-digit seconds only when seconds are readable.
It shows 6.48
